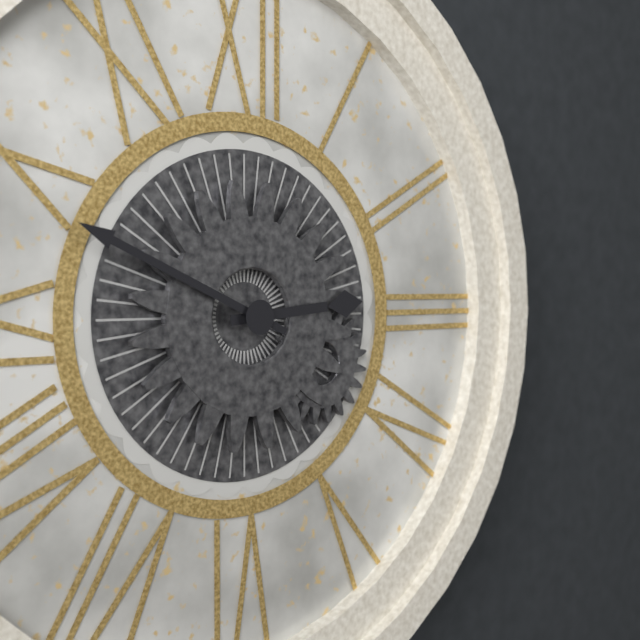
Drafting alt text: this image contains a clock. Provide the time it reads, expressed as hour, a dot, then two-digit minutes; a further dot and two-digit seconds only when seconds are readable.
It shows 2.49
